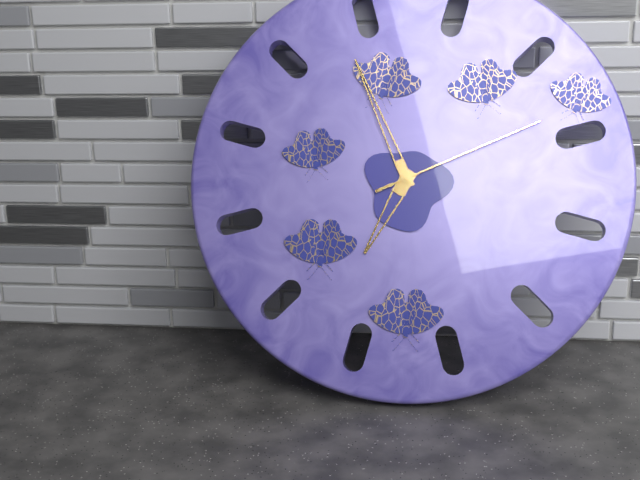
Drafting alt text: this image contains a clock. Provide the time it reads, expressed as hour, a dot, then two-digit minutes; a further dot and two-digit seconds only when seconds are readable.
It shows 6.56.11
